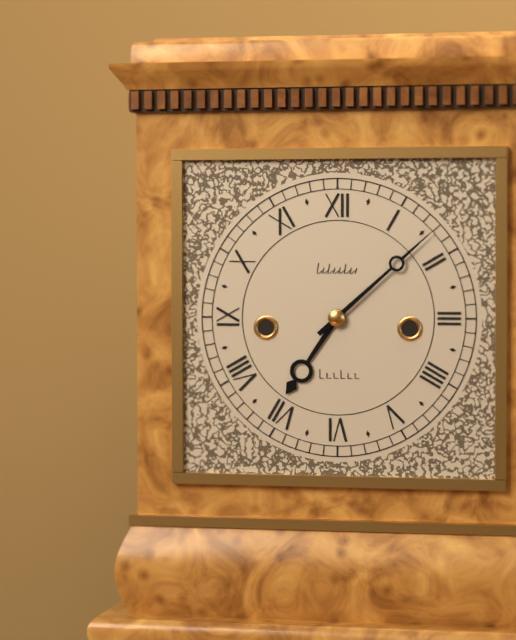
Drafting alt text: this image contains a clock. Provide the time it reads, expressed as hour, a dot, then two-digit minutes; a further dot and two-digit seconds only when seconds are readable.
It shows 7.08
